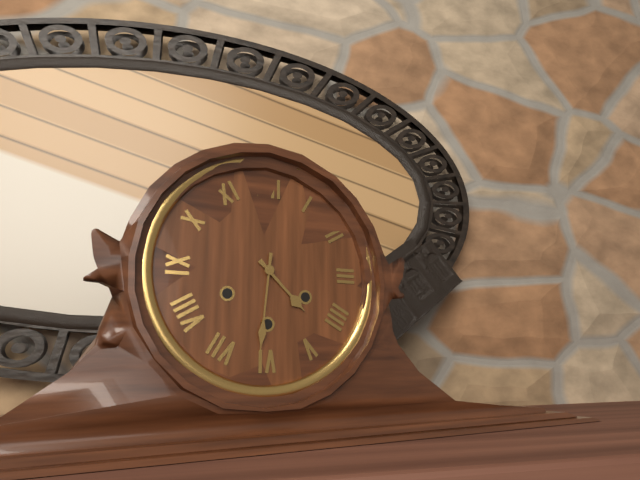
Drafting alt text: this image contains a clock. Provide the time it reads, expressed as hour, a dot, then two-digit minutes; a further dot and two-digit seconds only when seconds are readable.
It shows 4.31
